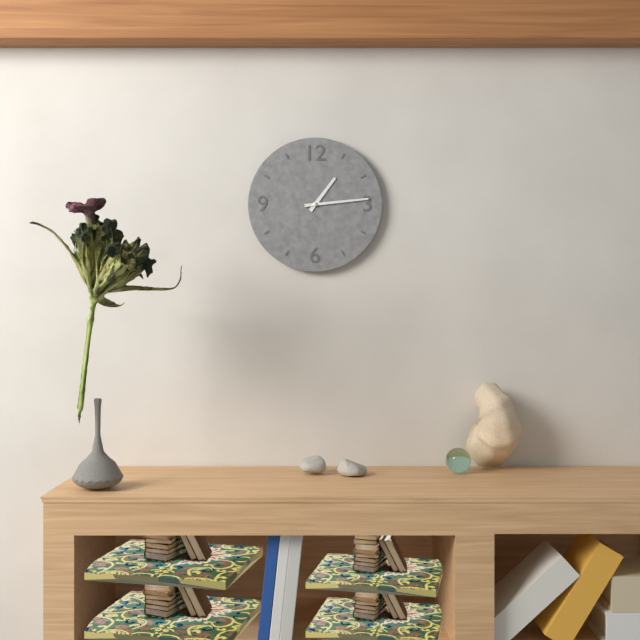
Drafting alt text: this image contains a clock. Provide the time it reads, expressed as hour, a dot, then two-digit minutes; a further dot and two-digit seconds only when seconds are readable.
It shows 1.14
